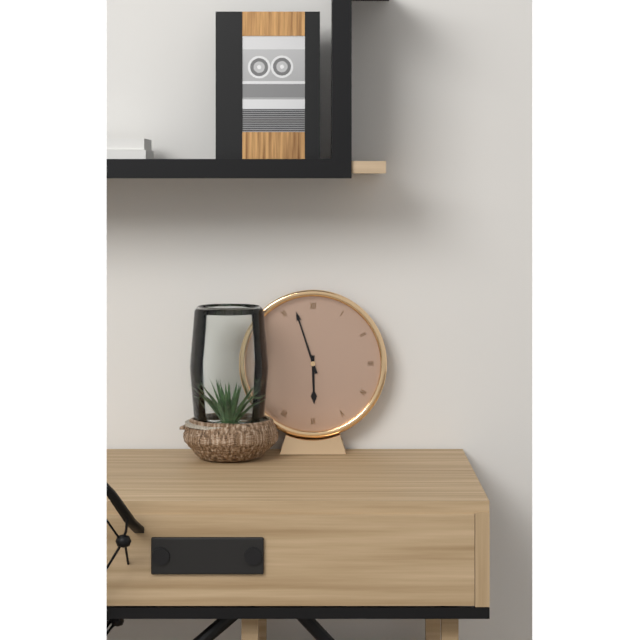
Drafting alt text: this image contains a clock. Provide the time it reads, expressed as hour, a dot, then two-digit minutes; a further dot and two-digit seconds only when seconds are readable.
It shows 5.57
